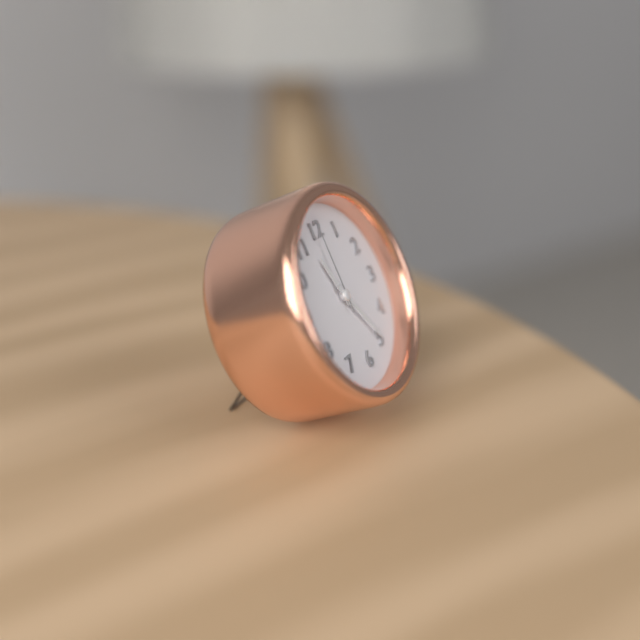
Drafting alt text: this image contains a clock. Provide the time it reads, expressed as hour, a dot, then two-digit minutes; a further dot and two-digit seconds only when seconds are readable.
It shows 11.25.00
